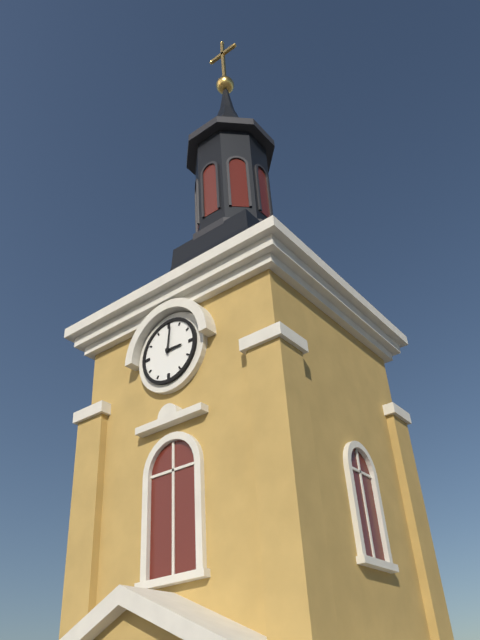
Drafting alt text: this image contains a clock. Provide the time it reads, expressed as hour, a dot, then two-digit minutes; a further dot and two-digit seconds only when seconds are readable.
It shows 3.01
